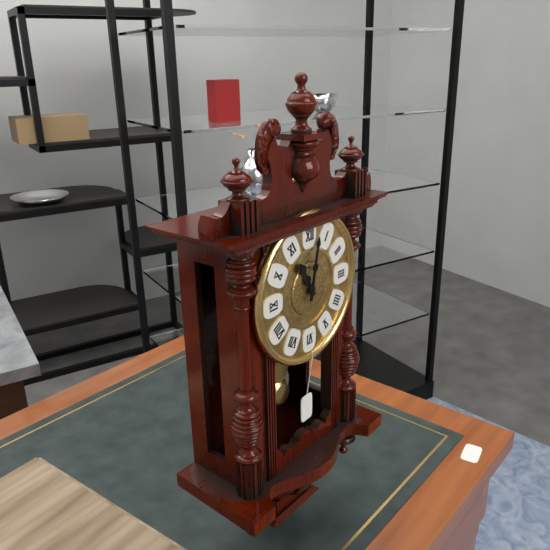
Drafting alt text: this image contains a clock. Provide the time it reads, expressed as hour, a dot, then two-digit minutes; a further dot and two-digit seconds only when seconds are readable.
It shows 11.02
